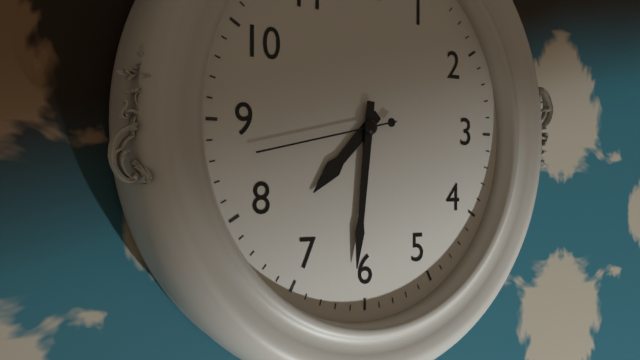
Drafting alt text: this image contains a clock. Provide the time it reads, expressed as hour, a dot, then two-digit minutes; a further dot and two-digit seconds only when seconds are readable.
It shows 7.31.43
